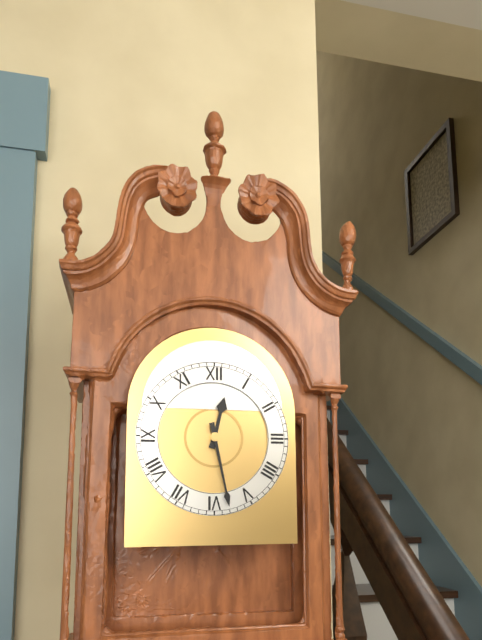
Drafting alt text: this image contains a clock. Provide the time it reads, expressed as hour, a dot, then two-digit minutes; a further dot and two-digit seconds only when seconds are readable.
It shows 12.28
